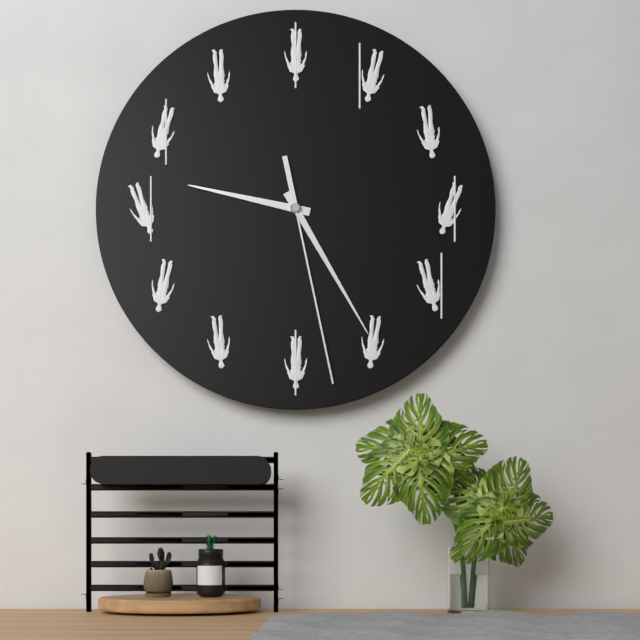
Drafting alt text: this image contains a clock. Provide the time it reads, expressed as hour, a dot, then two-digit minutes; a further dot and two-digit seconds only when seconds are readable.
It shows 9.25.28
